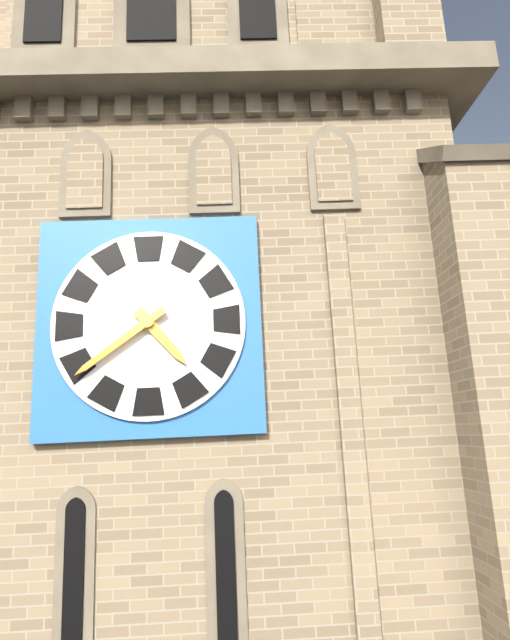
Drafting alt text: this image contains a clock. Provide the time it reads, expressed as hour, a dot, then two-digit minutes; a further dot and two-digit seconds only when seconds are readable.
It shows 4.39
